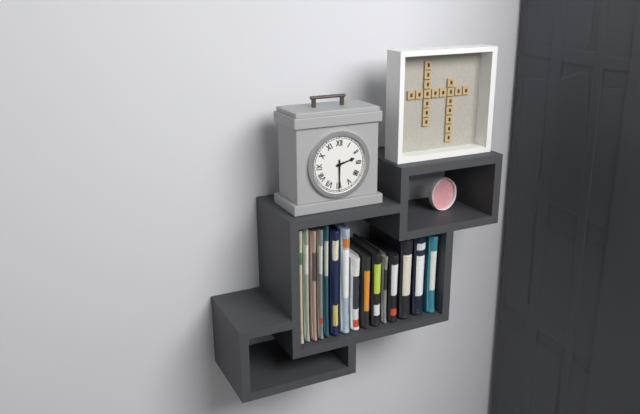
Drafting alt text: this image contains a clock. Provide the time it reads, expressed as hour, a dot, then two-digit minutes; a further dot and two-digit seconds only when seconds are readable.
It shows 2.30
